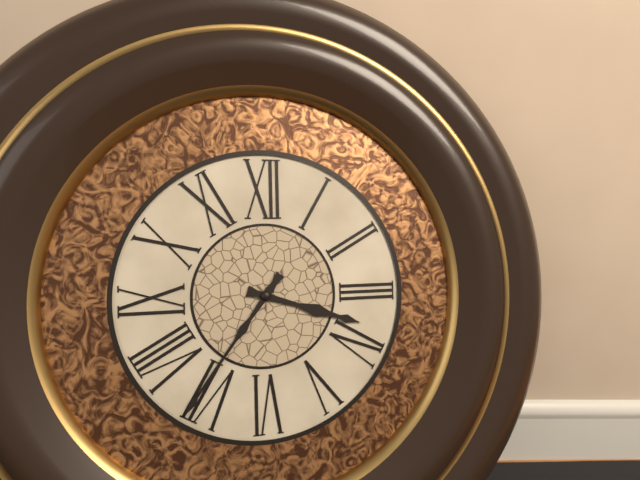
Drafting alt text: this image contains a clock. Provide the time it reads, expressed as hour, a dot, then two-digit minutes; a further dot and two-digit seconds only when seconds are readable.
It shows 3.36
